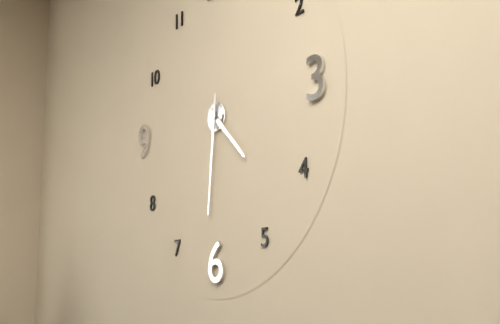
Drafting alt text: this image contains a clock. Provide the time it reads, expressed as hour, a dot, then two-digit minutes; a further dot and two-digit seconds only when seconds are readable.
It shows 4.31
